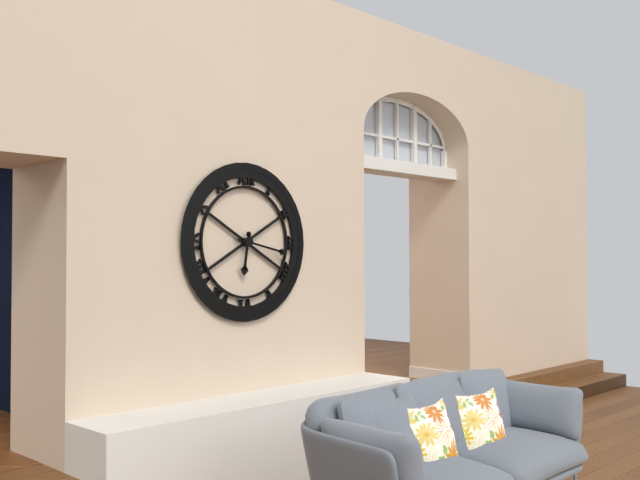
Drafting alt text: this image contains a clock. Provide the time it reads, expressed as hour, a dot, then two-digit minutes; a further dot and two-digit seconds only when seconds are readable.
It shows 6.17
